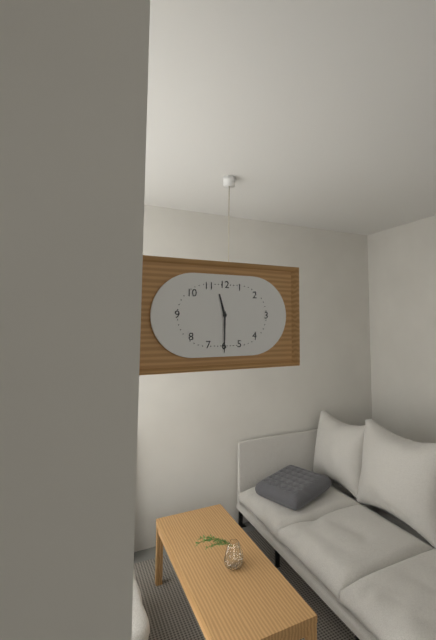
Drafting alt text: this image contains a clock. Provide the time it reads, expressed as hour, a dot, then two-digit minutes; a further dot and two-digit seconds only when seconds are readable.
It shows 11.30
